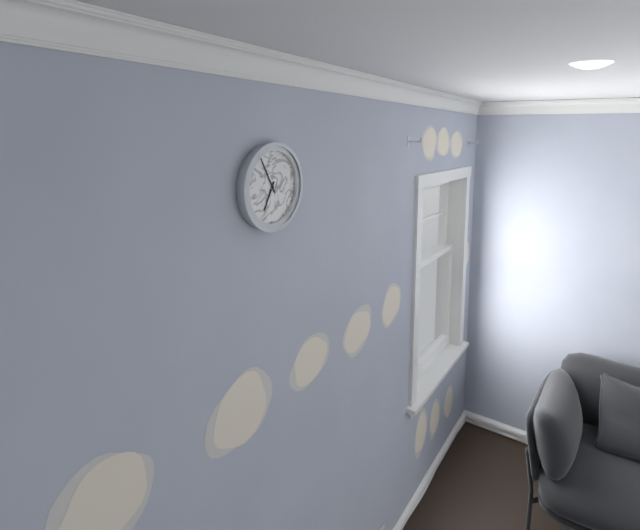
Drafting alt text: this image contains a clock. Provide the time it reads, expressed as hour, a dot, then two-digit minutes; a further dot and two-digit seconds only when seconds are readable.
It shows 6.55
